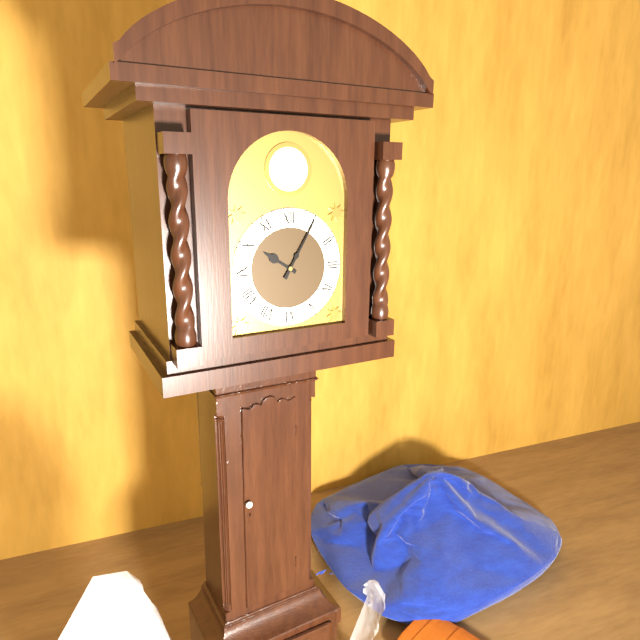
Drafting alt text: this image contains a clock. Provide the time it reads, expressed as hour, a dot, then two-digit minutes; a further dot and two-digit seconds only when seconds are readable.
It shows 10.05
